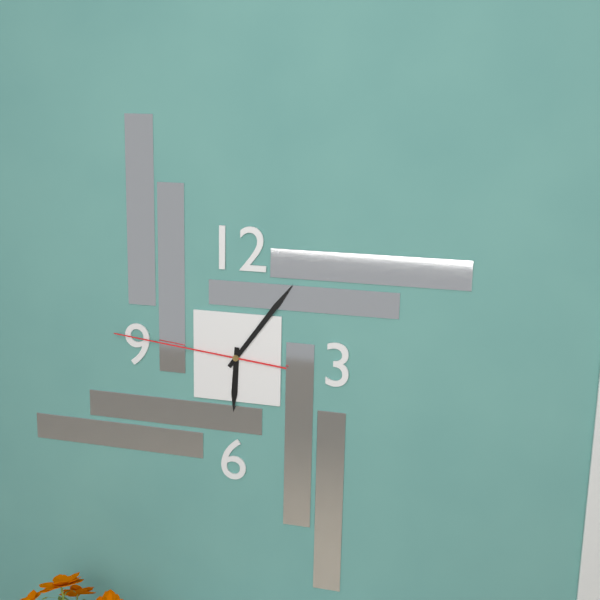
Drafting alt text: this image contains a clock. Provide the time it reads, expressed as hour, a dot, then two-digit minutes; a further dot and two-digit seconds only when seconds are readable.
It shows 6.06.46
